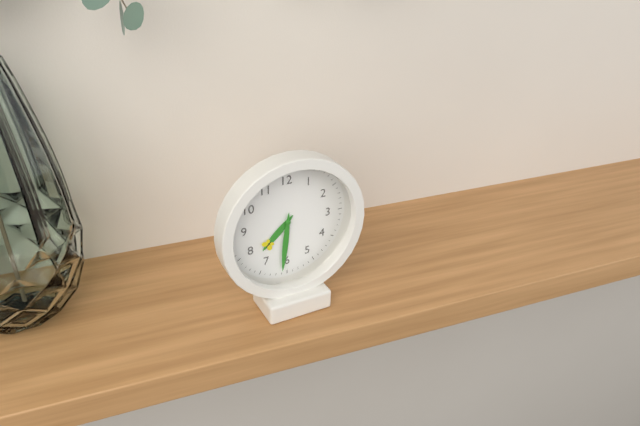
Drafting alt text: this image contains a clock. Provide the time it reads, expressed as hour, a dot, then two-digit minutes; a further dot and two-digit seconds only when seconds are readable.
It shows 7.31
